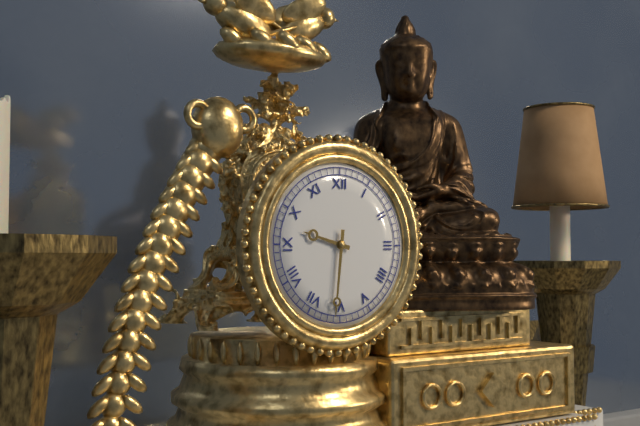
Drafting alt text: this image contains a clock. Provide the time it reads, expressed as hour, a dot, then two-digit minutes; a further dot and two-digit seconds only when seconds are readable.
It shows 9.31
